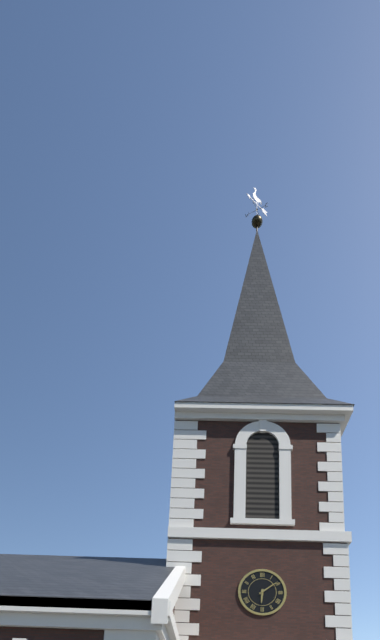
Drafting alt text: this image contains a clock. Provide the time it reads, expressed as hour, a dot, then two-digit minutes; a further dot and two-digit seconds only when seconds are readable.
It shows 6.09
